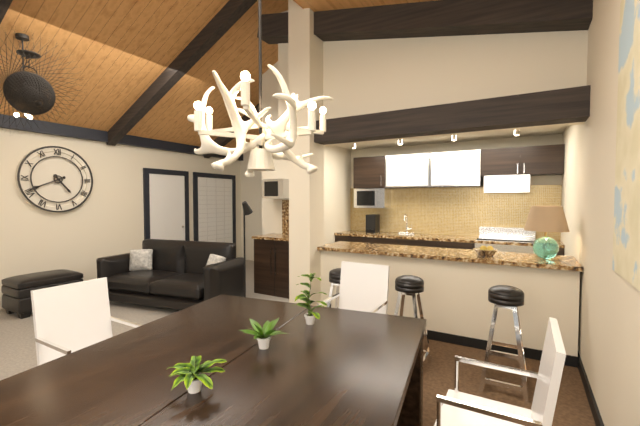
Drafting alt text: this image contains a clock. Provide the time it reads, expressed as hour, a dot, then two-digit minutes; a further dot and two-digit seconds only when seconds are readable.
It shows 4.41
